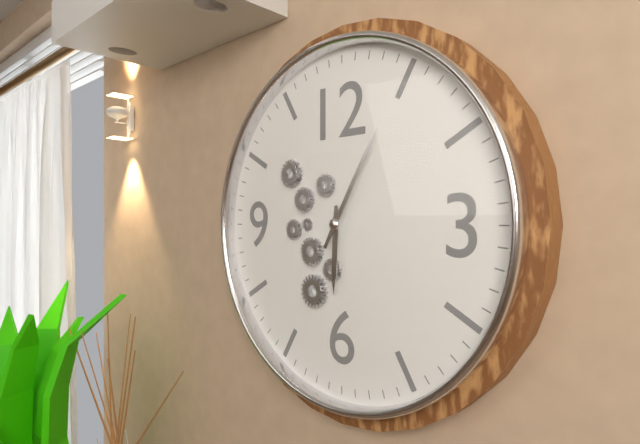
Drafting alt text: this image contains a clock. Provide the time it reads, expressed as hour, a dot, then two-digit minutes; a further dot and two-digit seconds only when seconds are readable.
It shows 6.05
